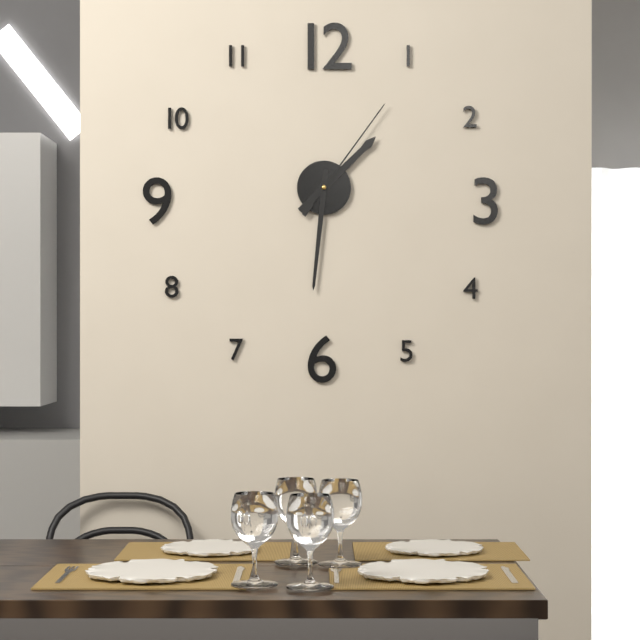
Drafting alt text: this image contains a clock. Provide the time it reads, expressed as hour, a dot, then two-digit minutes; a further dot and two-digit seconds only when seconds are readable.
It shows 1.31.06
